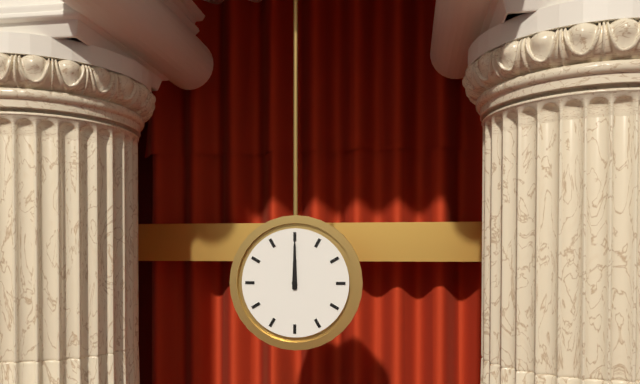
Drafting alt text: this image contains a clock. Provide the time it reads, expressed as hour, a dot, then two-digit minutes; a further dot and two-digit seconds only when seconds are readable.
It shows 12.00
